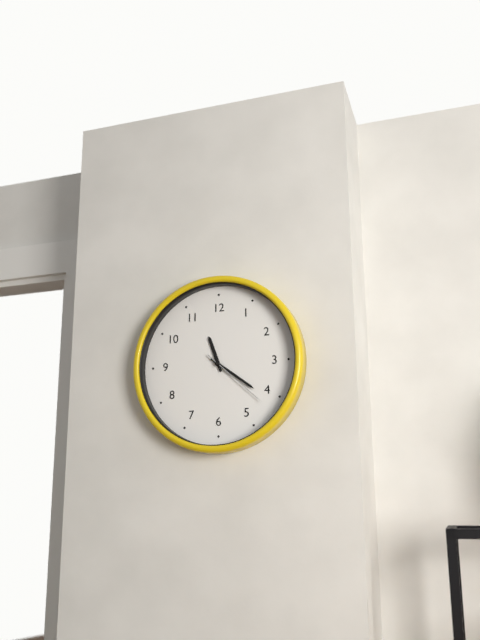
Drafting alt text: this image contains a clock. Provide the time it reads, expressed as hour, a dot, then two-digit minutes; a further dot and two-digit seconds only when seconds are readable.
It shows 11.21.22
